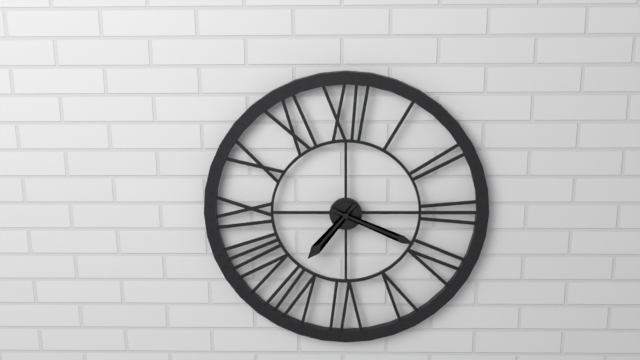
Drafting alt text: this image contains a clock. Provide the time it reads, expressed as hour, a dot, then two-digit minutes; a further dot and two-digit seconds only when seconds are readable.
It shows 7.19
